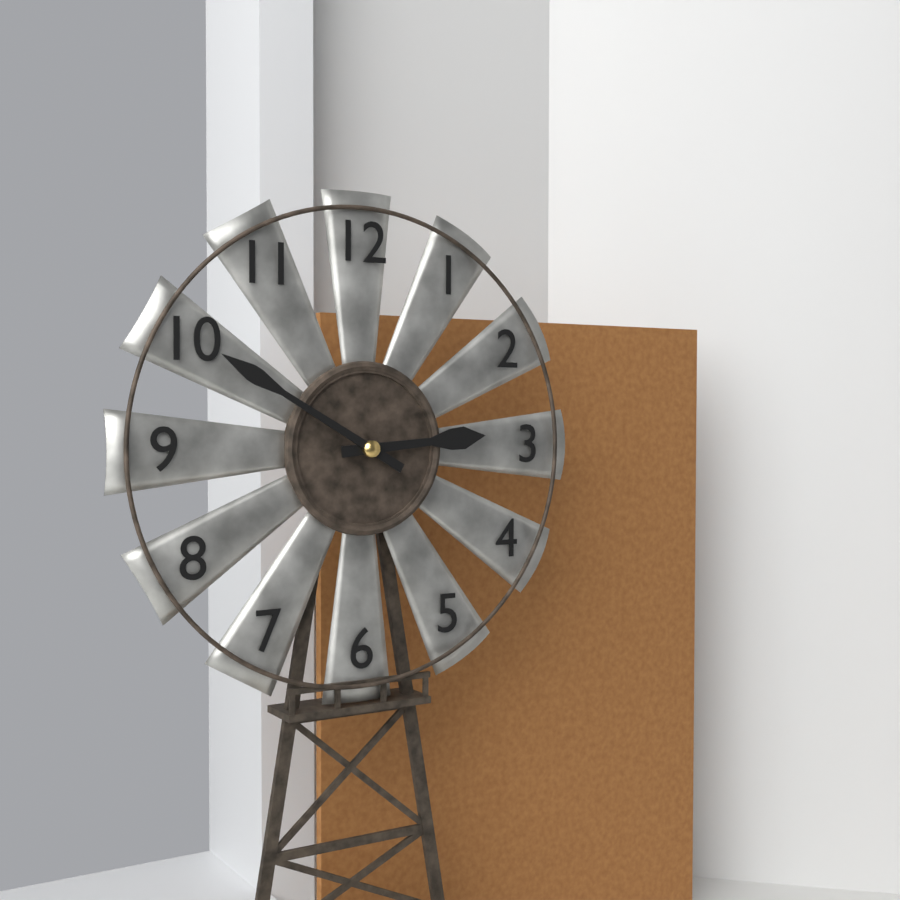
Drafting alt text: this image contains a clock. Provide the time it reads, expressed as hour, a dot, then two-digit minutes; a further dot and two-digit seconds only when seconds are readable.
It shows 2.50
